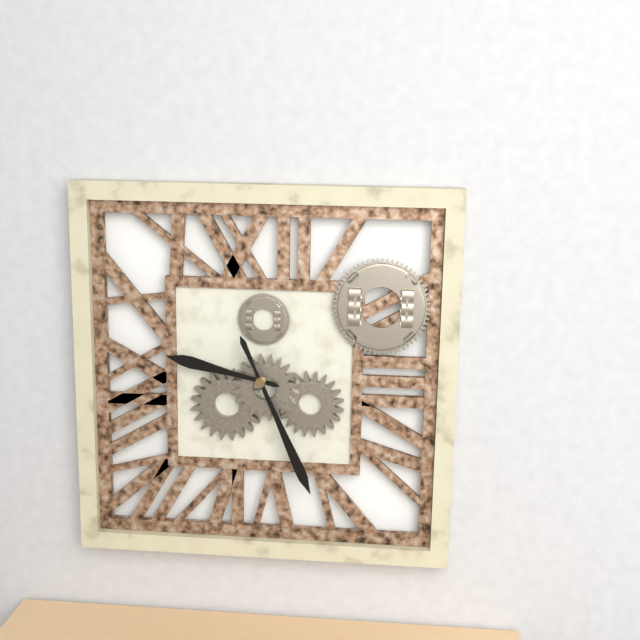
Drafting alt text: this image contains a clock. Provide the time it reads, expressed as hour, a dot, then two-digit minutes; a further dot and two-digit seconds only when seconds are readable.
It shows 9.26
